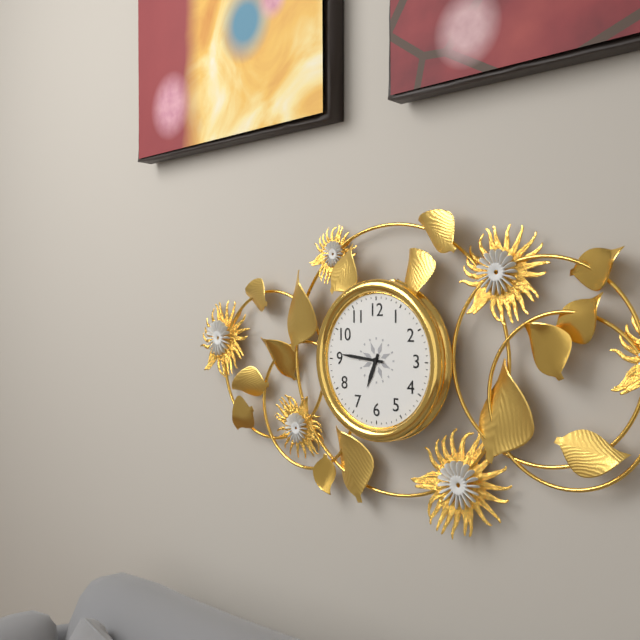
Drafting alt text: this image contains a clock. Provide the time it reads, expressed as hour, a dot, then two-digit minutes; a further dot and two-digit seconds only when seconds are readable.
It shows 6.46
